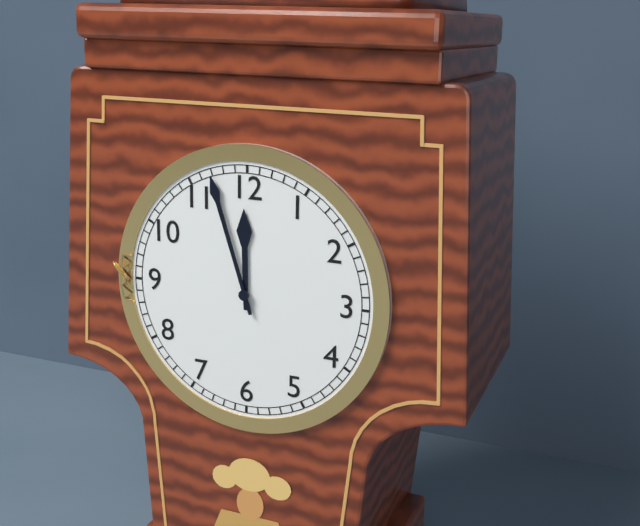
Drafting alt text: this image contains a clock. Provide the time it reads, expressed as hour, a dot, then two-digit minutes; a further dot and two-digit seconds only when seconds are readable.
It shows 11.57
